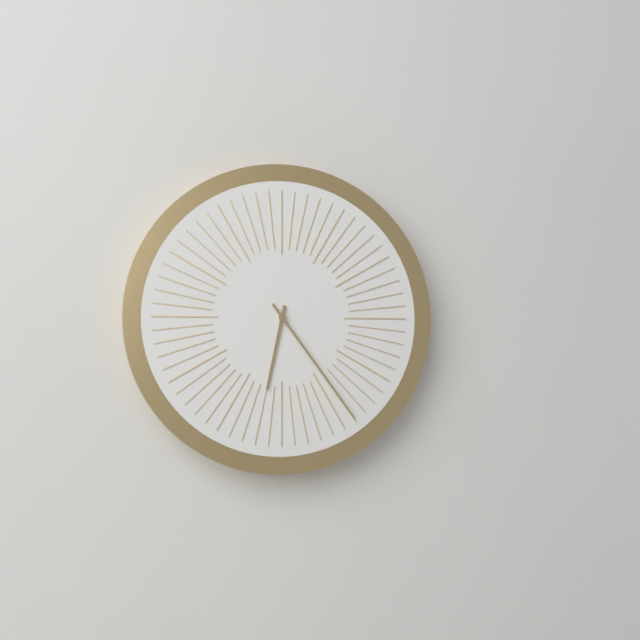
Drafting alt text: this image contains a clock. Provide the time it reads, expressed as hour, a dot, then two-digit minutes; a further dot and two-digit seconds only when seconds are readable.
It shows 6.24
